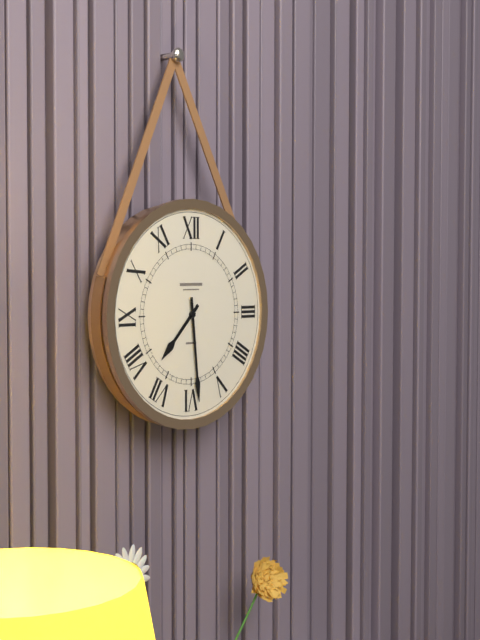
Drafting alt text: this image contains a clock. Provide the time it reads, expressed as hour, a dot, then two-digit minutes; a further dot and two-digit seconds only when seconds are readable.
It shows 7.29
